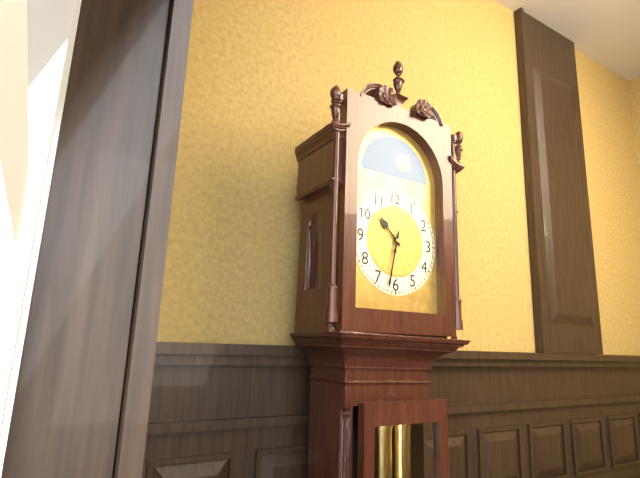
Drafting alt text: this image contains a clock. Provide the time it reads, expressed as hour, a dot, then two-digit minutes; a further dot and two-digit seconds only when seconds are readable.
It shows 10.32
